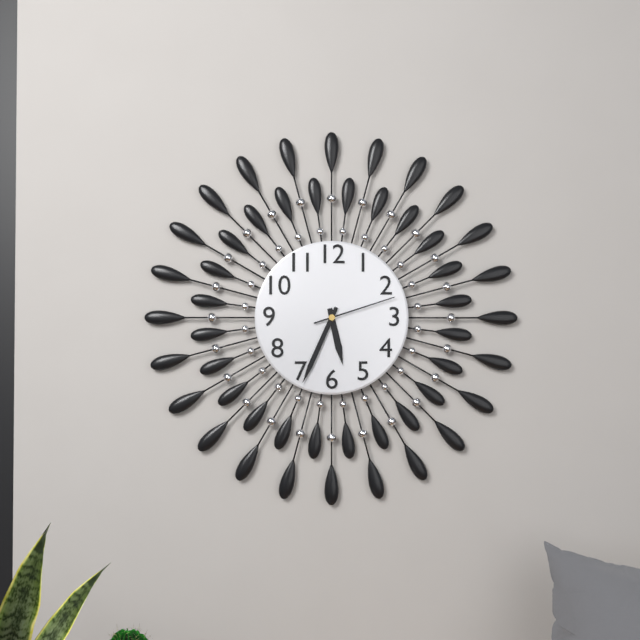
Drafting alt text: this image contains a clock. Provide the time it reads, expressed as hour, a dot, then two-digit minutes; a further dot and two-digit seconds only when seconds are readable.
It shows 5.34.12
